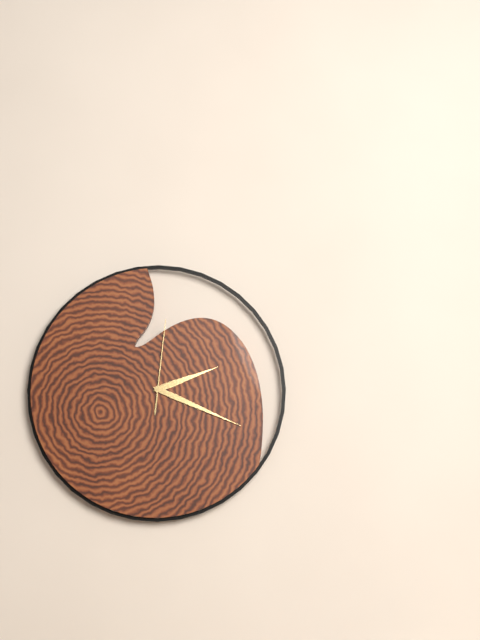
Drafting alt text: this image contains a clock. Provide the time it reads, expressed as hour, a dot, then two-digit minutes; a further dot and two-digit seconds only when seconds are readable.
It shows 2.19.01
